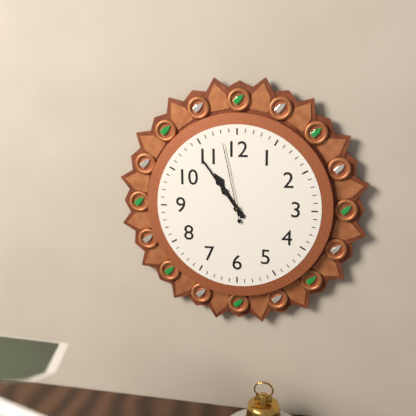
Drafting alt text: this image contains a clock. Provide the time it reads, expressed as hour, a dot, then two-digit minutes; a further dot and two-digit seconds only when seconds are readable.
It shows 10.54.58
